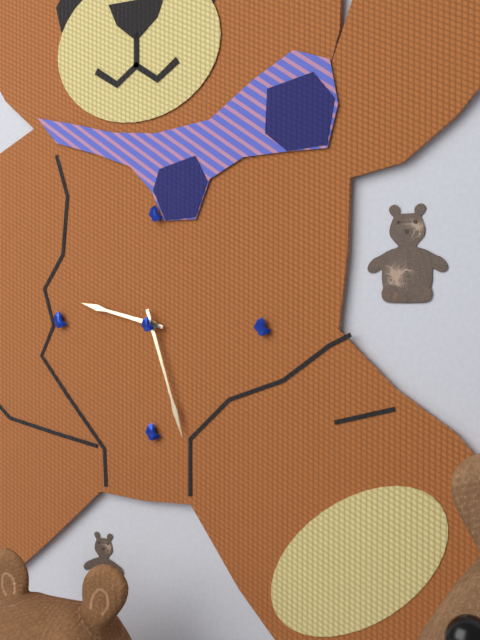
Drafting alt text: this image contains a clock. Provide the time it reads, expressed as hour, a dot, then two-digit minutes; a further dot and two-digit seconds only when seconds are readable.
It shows 9.27
